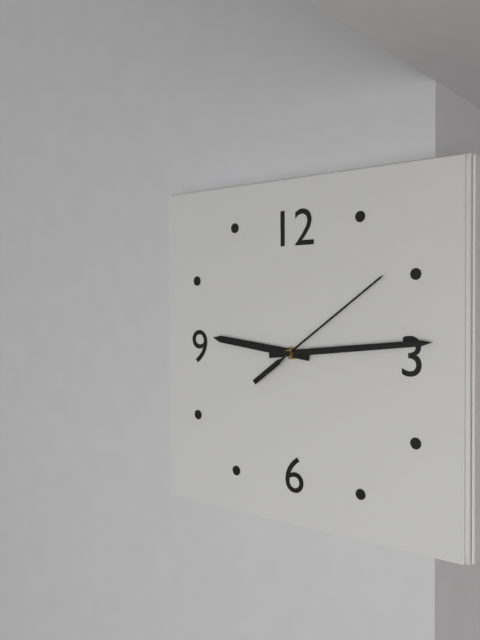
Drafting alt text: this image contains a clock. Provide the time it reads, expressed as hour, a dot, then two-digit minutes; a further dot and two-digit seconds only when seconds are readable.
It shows 9.14.09
